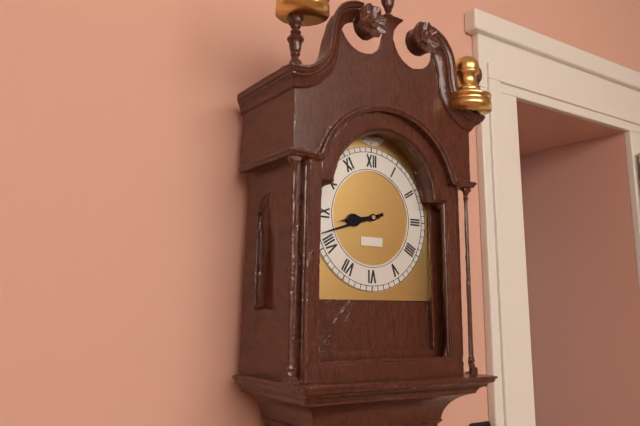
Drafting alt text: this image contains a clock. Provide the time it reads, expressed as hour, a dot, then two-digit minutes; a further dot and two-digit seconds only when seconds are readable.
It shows 8.42
